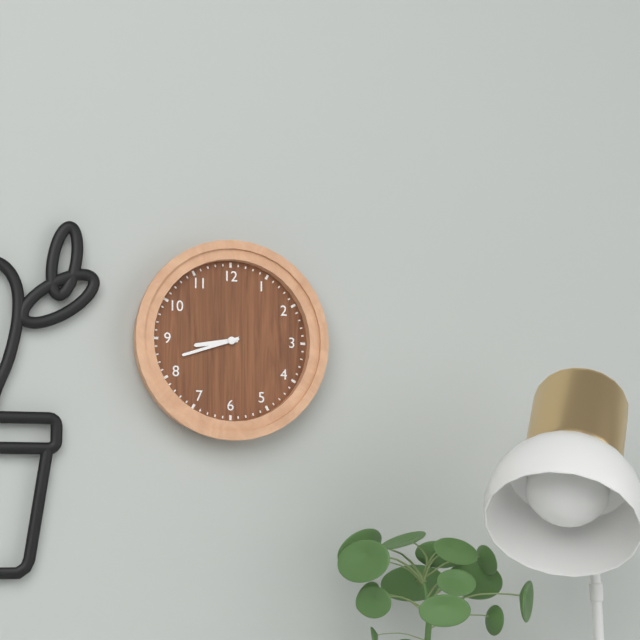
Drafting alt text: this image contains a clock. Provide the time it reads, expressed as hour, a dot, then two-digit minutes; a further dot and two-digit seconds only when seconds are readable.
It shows 8.42
